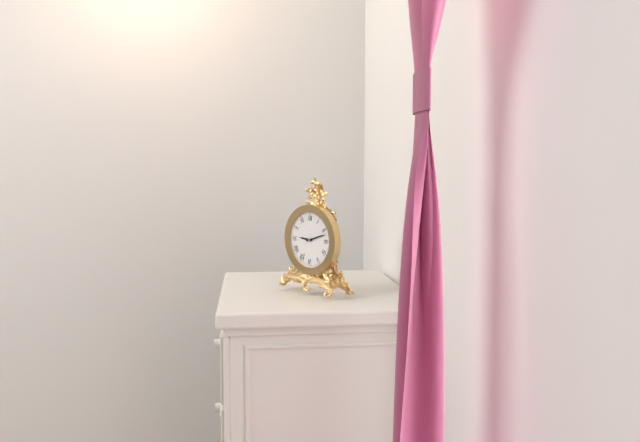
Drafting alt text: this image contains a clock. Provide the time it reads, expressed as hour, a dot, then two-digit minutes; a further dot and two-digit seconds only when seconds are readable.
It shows 9.12
